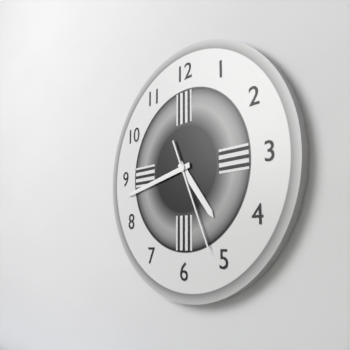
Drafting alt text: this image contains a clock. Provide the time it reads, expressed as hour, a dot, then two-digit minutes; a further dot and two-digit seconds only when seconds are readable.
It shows 4.43.26
